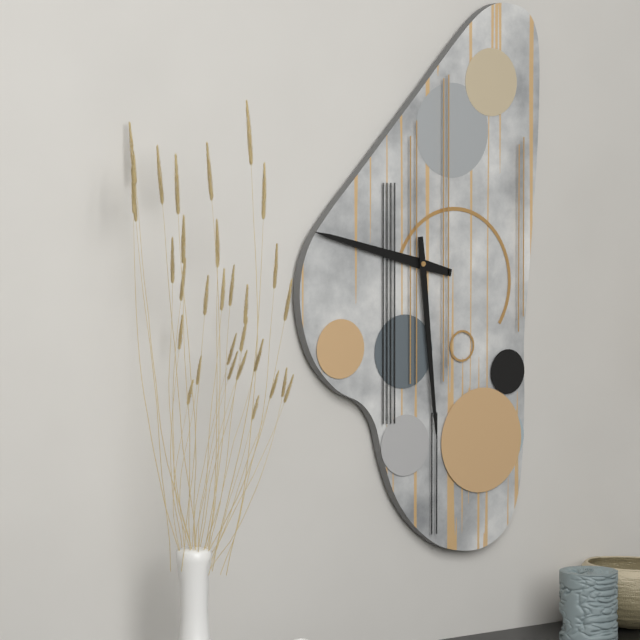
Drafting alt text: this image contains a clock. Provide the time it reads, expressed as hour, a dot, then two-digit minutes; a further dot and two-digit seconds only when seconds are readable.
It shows 9.29
